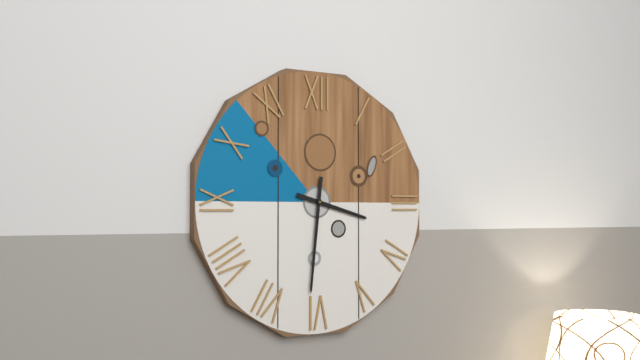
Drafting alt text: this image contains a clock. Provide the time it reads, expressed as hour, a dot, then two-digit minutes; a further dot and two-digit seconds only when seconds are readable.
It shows 3.31
